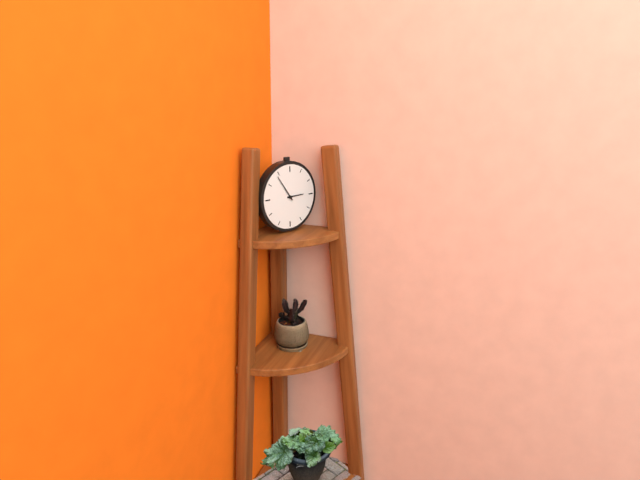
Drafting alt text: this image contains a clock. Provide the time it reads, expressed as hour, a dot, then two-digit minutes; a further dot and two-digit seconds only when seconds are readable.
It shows 2.54
